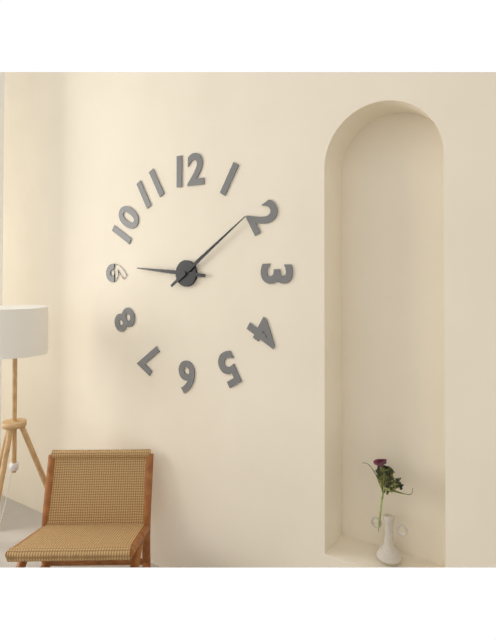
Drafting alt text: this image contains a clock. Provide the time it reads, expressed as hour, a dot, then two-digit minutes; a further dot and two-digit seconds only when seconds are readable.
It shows 9.09
